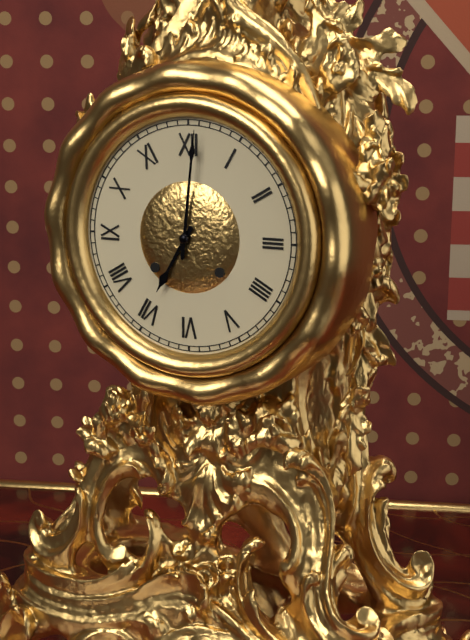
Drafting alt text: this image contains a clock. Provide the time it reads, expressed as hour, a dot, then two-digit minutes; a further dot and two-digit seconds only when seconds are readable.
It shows 7.01
